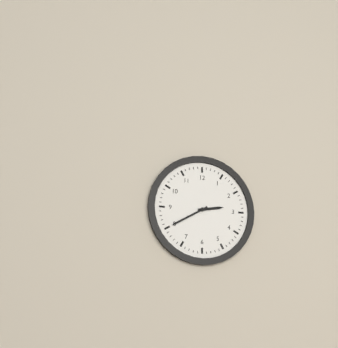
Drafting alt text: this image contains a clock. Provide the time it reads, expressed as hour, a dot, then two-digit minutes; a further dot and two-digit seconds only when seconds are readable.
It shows 2.40
